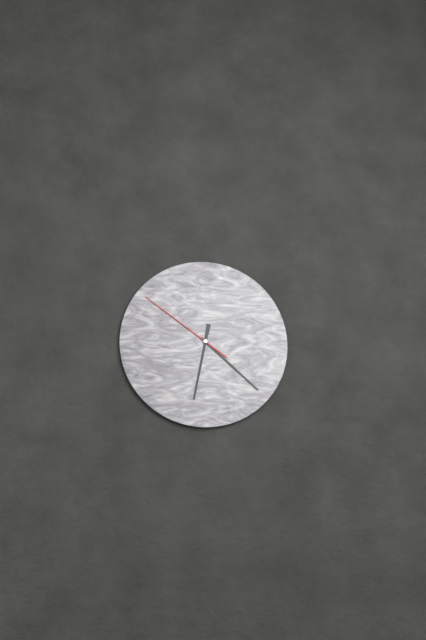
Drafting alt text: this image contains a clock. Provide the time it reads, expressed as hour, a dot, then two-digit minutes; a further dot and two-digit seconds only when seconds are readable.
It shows 6.22.51
